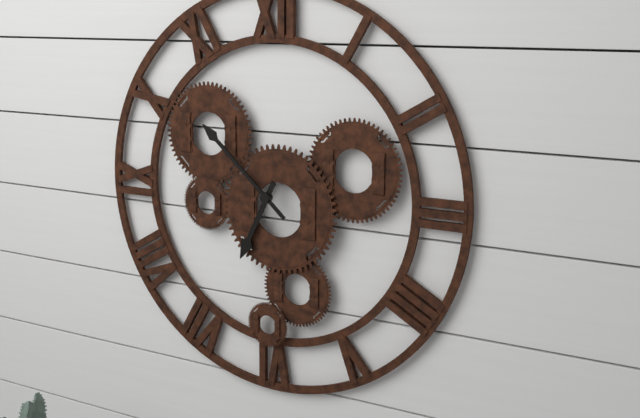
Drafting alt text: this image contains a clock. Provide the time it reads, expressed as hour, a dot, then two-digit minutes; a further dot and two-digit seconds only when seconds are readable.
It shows 6.52
